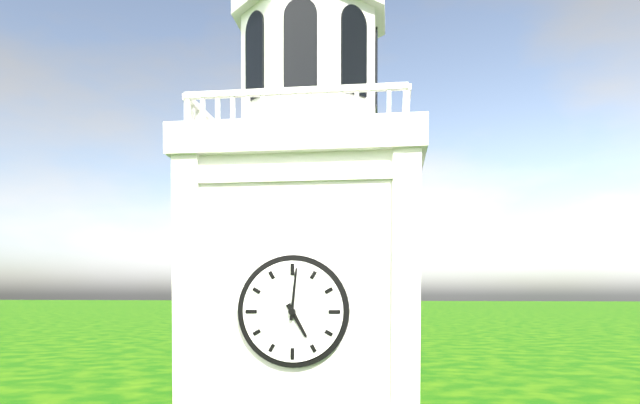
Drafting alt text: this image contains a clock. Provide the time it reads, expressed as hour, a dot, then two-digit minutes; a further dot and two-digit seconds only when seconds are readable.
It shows 5.01
